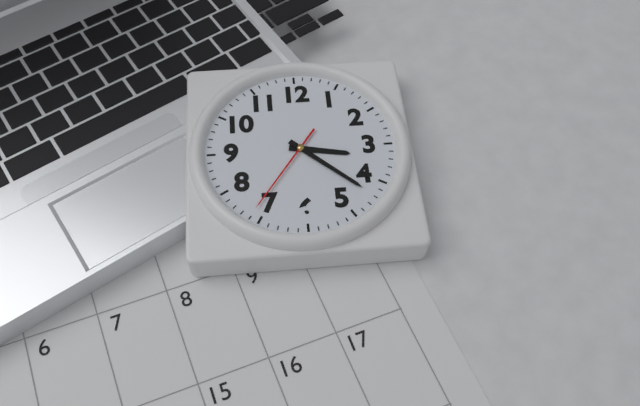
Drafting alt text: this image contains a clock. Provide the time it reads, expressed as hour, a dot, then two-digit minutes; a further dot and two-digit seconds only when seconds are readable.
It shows 3.22.36
